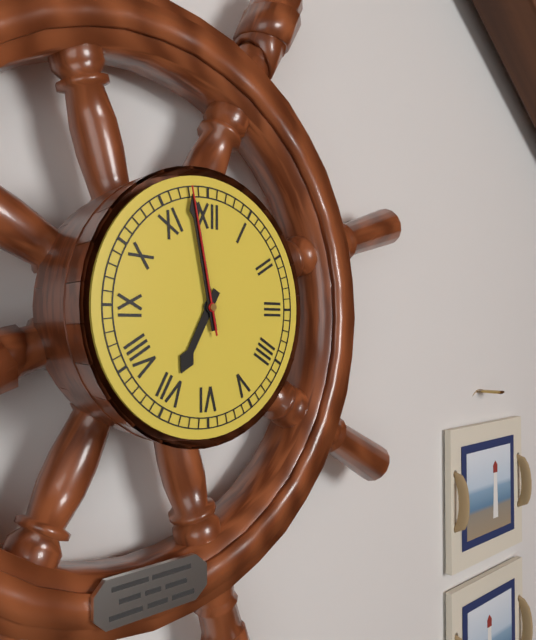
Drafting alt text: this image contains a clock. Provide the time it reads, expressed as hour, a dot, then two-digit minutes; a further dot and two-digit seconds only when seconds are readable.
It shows 6.58.58
